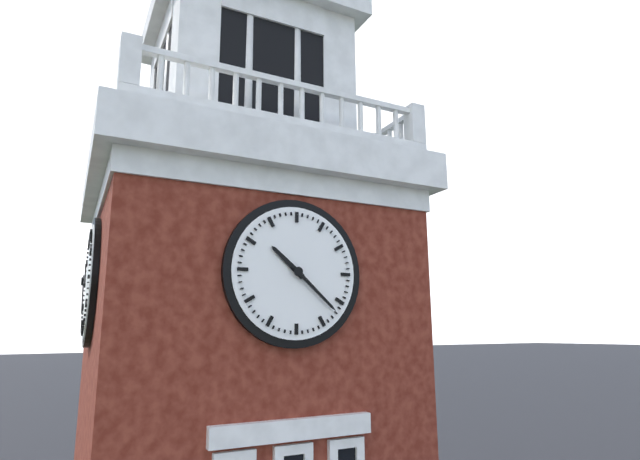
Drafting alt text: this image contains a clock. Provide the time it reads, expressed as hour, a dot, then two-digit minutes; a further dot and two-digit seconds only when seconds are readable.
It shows 10.22
